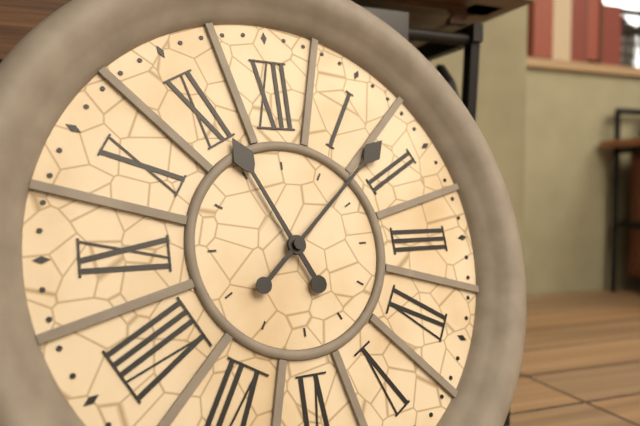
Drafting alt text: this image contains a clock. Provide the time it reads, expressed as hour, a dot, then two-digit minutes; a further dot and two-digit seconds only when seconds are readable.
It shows 11.08
